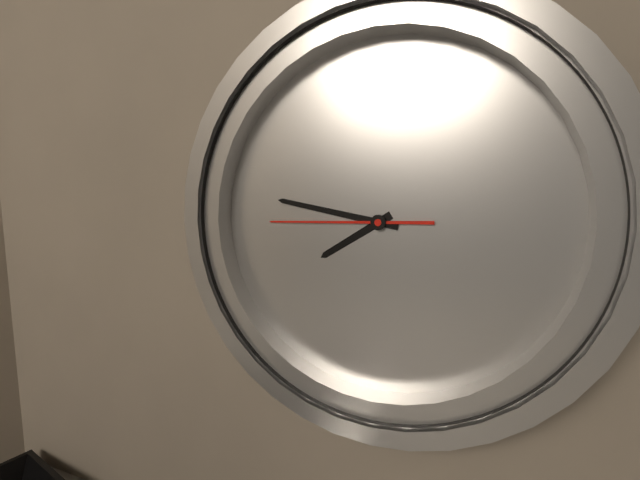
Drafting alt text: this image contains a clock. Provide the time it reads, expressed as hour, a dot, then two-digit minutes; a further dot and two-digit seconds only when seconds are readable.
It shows 7.46.44
